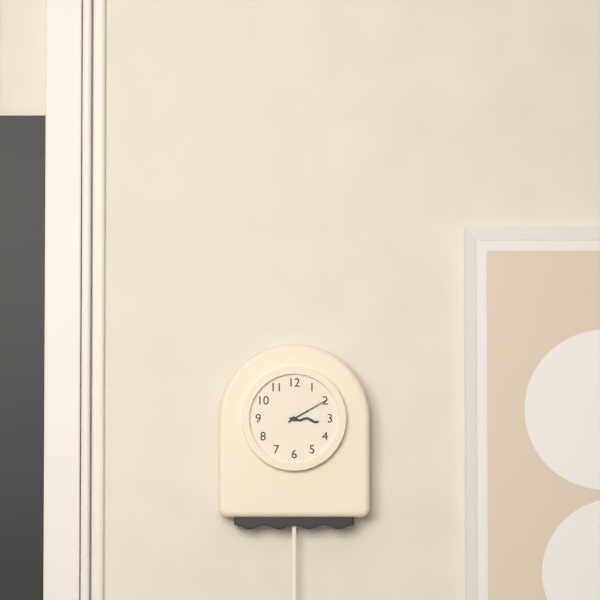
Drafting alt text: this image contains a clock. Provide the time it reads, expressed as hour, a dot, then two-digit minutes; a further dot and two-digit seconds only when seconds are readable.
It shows 3.10
